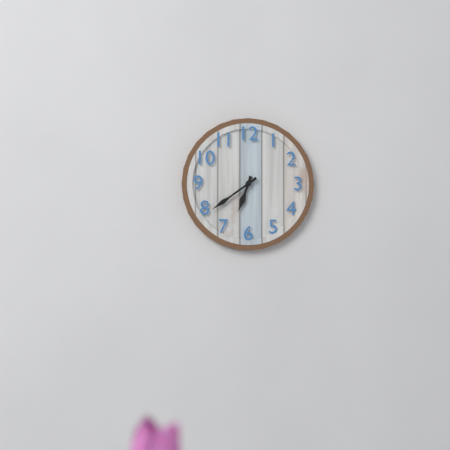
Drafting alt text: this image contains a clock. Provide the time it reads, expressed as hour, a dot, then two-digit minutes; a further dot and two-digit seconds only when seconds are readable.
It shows 6.39
